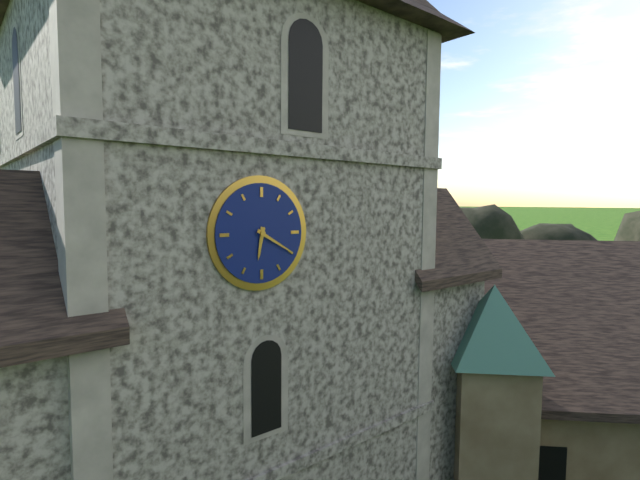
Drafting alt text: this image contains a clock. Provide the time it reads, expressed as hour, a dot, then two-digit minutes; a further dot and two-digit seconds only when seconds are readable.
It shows 6.20
